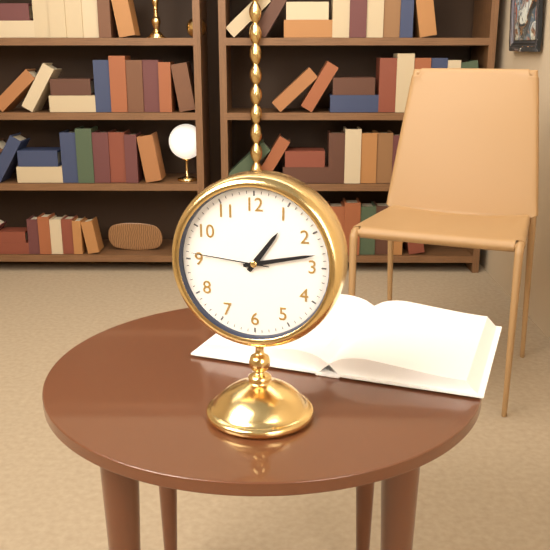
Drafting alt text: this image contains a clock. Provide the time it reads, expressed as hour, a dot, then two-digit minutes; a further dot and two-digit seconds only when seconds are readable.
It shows 1.13.46
